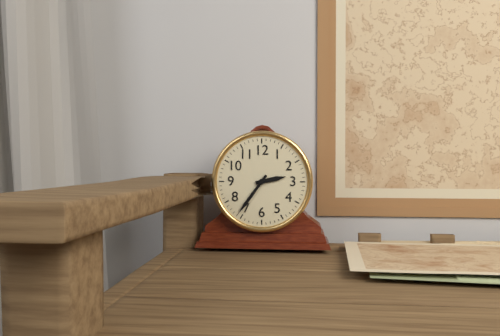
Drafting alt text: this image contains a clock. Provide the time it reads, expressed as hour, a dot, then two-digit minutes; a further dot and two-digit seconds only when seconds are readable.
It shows 2.36
